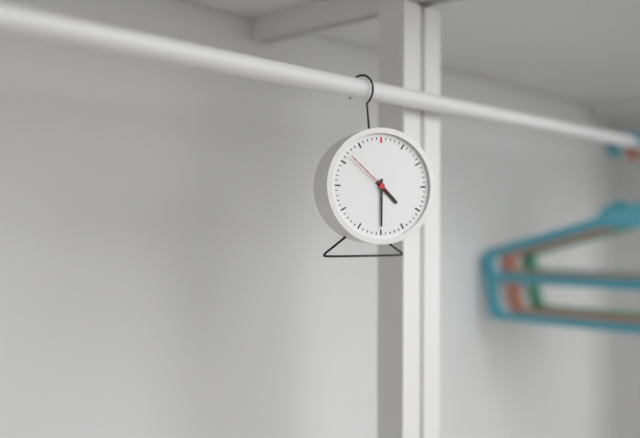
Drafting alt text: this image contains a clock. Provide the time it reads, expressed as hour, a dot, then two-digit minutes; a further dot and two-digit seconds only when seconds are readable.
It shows 4.30.52
